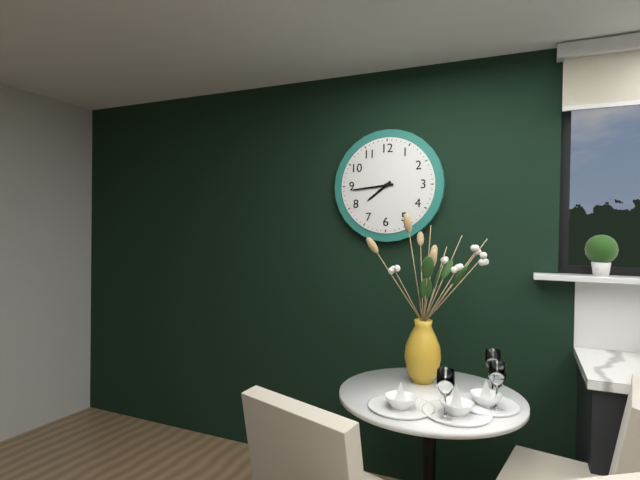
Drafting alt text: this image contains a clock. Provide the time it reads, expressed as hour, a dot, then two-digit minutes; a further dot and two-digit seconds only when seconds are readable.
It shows 7.44
